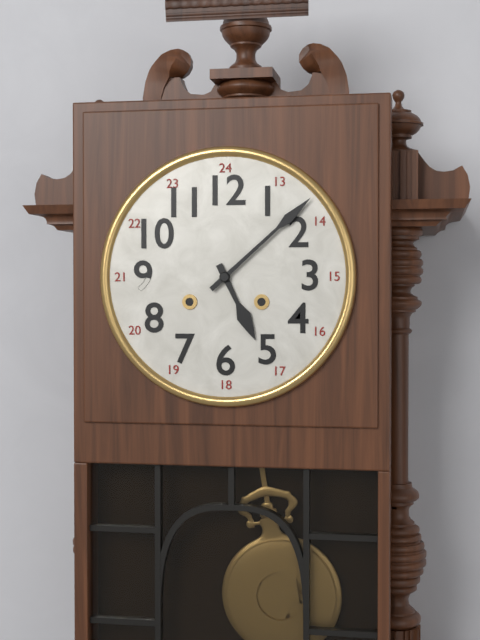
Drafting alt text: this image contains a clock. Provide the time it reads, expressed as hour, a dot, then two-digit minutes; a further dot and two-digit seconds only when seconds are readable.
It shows 5.08
